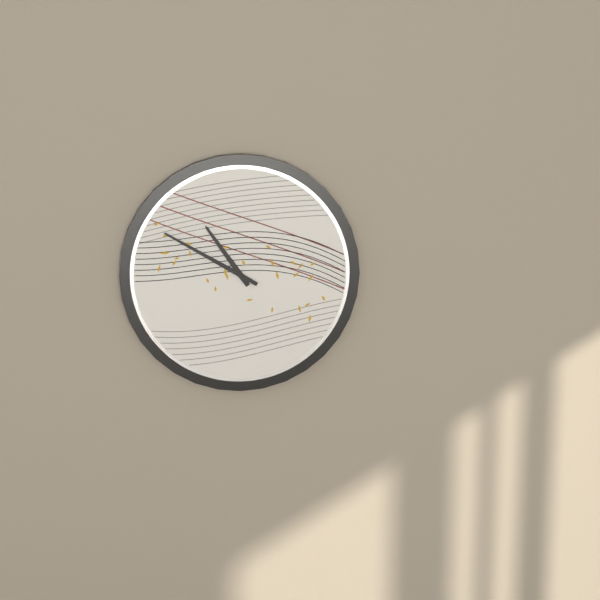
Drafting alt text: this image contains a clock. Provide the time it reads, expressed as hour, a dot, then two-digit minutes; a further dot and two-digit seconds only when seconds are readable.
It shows 10.50
